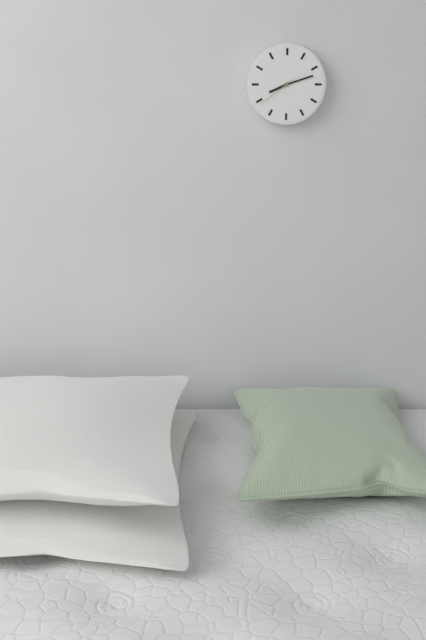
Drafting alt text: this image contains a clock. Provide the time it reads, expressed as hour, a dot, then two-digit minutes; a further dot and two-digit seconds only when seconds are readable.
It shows 8.12
